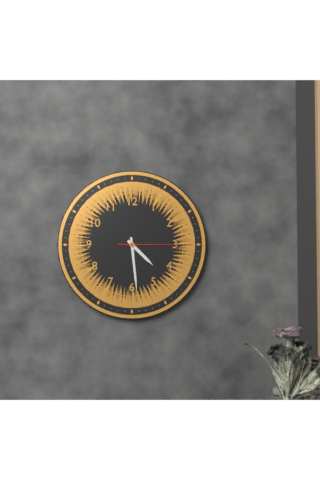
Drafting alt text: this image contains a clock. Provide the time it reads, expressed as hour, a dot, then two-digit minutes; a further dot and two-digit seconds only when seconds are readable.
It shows 4.29.15
